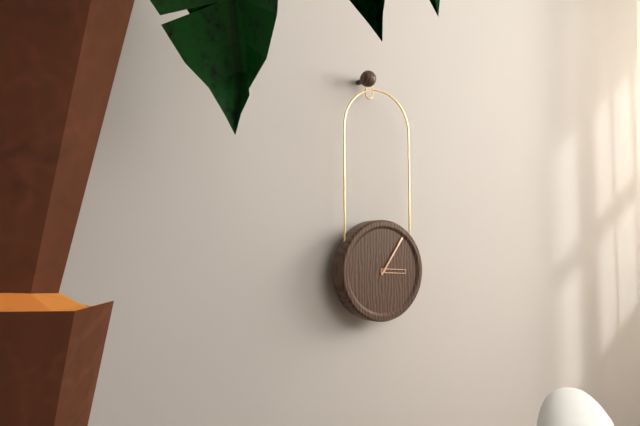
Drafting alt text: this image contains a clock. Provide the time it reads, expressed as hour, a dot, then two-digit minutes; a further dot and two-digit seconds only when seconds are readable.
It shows 3.06
